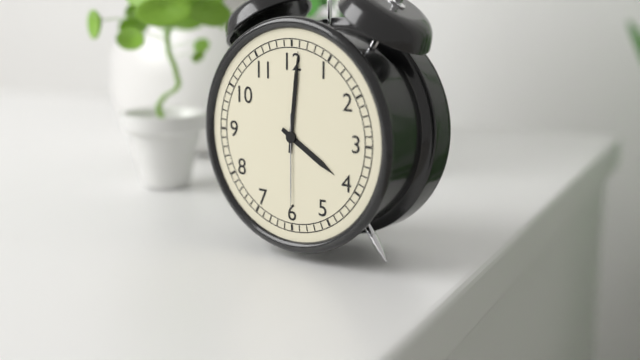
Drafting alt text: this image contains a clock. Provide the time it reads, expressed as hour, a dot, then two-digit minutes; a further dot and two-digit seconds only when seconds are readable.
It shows 4.01.30
